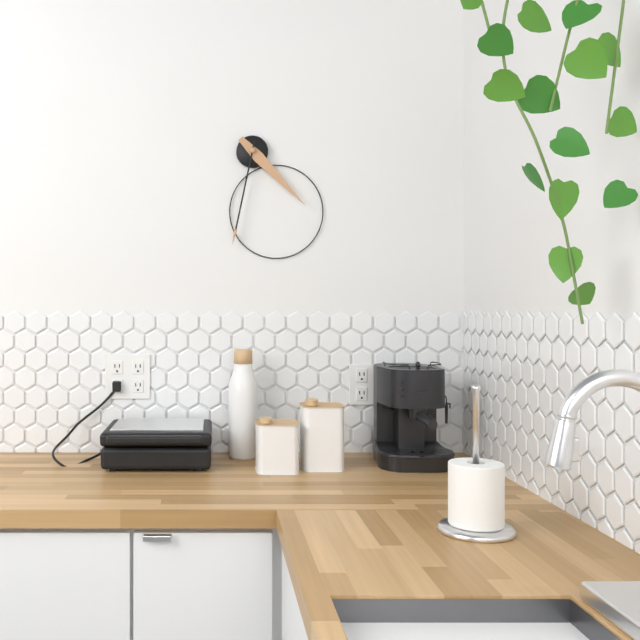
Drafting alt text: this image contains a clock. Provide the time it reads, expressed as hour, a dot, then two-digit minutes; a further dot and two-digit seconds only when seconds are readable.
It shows 4.32
